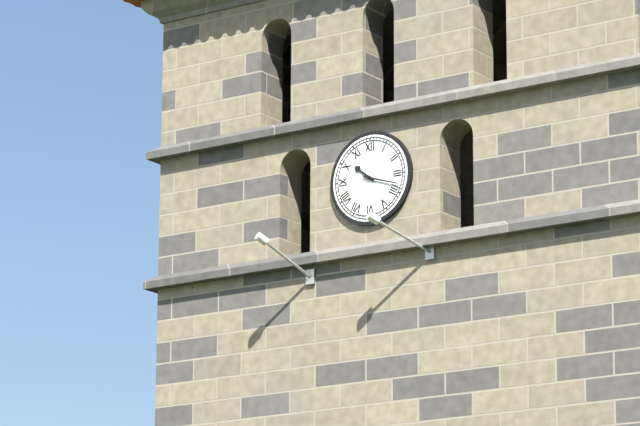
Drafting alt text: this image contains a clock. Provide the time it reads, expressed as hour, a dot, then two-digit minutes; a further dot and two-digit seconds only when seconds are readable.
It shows 10.18
